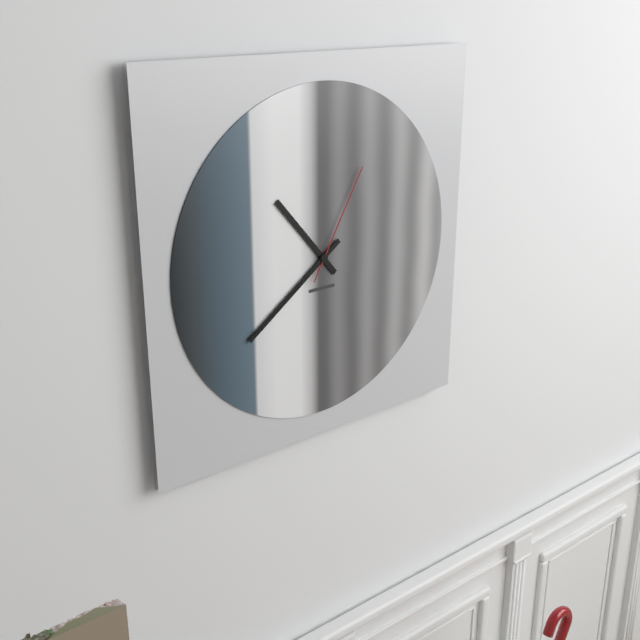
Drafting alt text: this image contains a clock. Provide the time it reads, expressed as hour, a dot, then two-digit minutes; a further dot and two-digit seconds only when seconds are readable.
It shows 10.39.05
